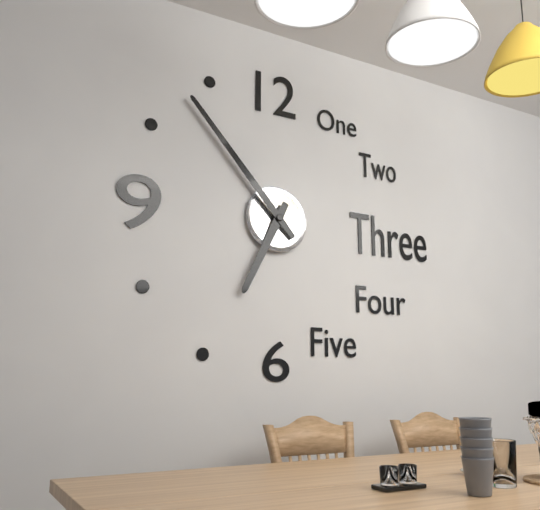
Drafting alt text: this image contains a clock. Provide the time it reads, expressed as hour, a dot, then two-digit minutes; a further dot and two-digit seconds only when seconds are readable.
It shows 6.53
